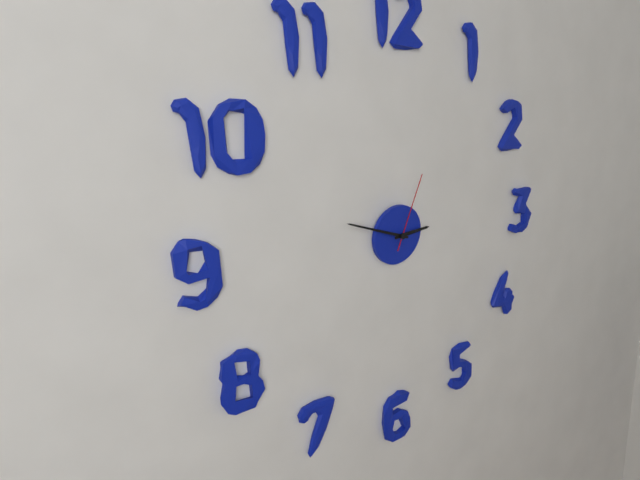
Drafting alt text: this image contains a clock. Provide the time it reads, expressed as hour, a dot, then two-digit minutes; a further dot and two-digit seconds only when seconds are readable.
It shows 2.48.04
